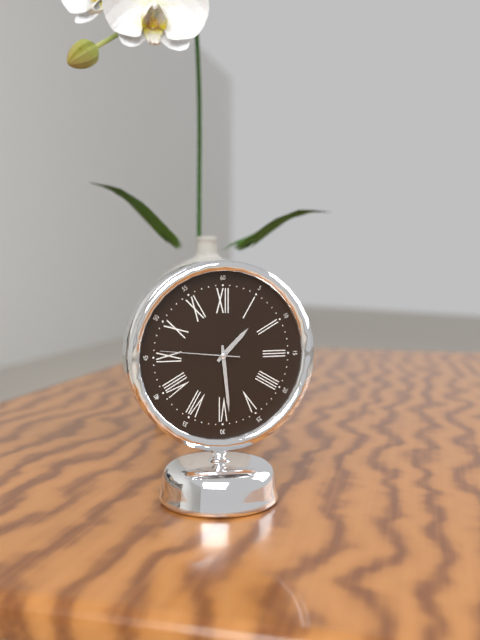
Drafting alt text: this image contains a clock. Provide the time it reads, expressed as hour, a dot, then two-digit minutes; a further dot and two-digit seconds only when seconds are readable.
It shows 1.29.46
